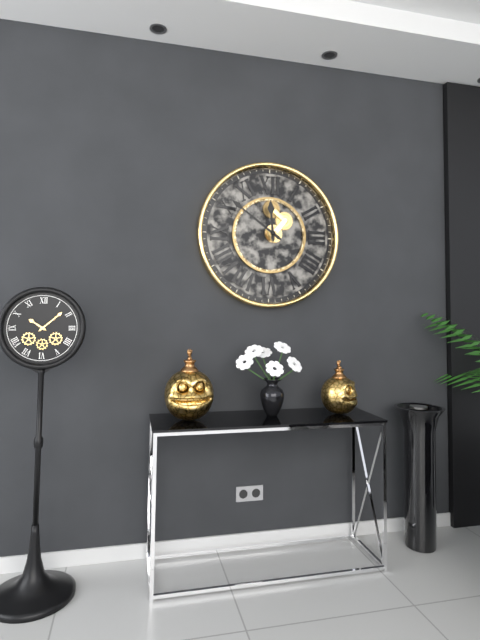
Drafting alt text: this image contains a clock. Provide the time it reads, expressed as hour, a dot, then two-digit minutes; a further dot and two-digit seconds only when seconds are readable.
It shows 11.51
